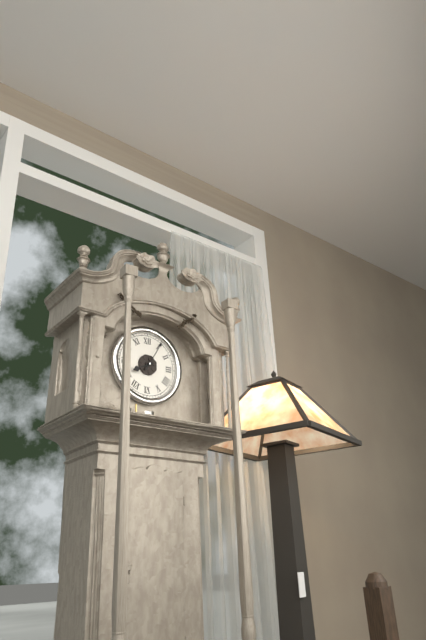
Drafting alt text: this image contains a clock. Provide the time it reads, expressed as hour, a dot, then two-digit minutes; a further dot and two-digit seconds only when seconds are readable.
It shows 8.05
